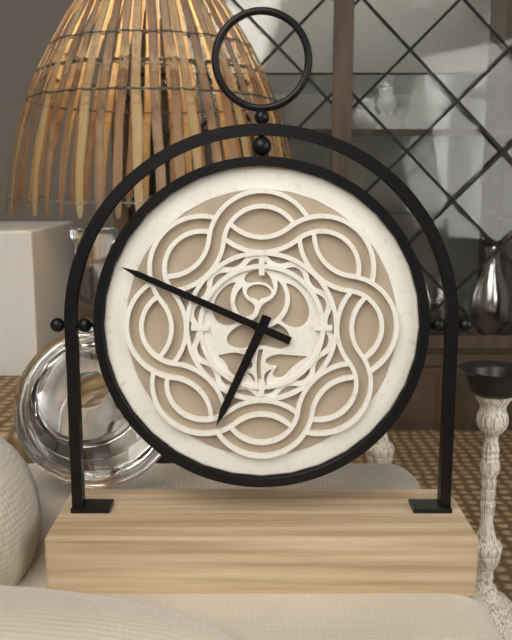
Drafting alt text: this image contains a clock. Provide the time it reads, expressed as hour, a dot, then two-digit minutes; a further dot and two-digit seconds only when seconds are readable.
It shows 6.49
